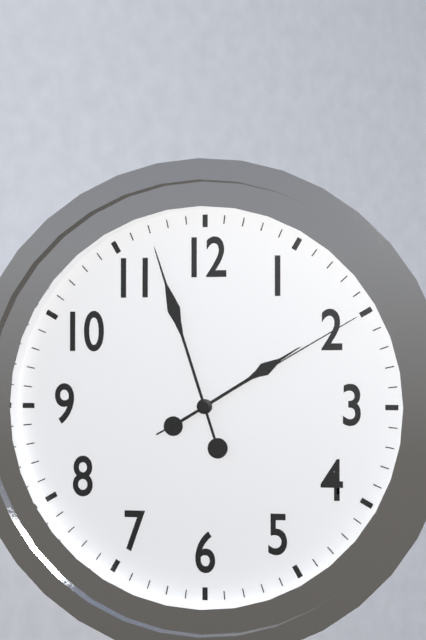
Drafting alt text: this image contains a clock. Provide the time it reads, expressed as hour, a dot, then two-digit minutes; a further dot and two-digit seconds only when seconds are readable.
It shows 1.57.10
